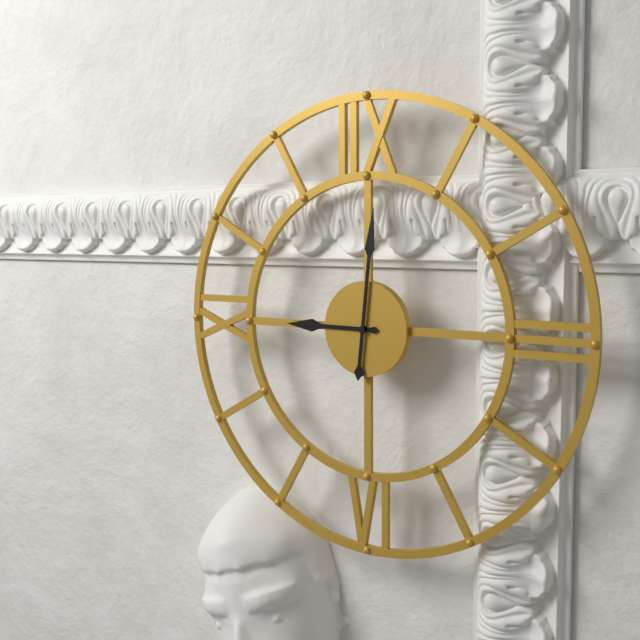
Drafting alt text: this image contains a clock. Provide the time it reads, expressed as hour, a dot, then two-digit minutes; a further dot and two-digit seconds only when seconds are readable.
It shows 9.01
